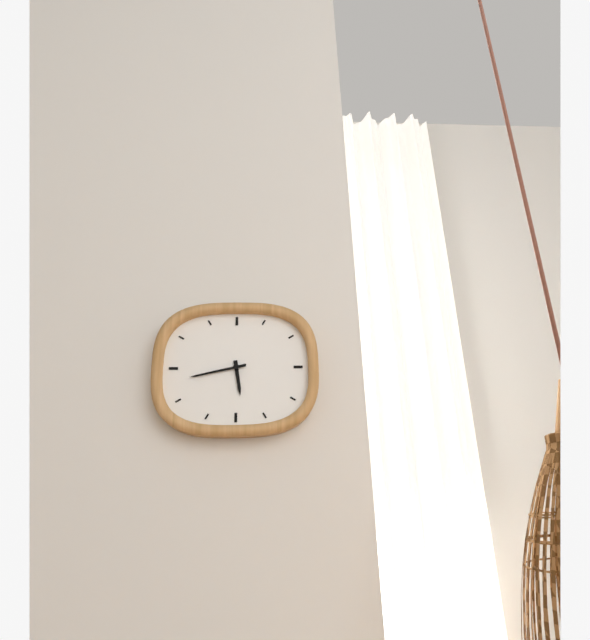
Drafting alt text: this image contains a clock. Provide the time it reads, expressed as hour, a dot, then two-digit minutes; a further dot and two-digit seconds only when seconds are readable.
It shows 5.43
